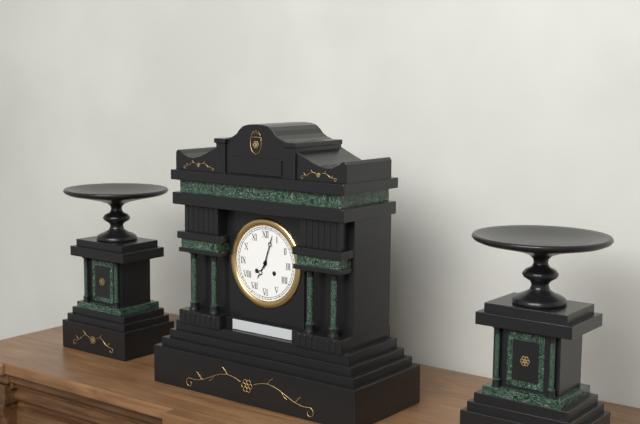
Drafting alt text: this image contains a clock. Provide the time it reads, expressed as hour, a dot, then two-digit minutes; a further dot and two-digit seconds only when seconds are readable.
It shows 7.03
